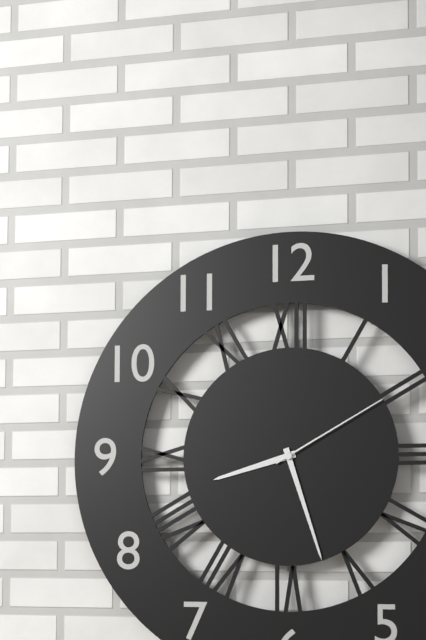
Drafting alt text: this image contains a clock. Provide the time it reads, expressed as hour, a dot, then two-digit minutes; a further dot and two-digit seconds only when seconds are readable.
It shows 8.27.10
